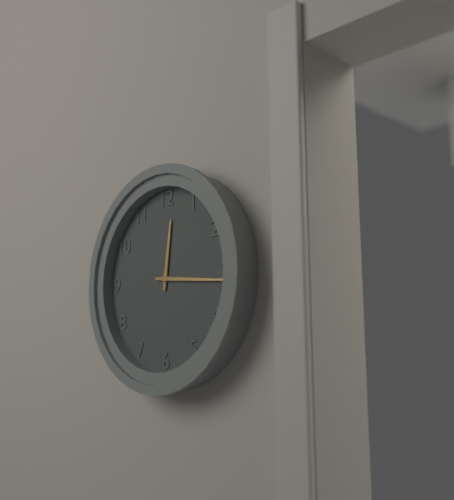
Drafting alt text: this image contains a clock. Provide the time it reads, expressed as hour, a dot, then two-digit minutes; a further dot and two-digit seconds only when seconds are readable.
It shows 12.16
